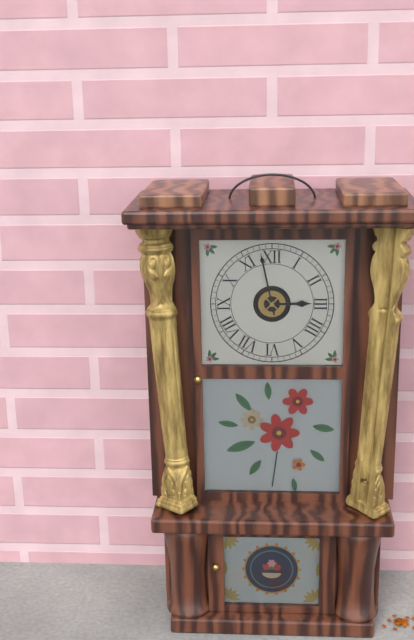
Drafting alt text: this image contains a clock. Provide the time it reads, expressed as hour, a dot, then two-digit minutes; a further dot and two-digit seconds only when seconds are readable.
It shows 2.58
